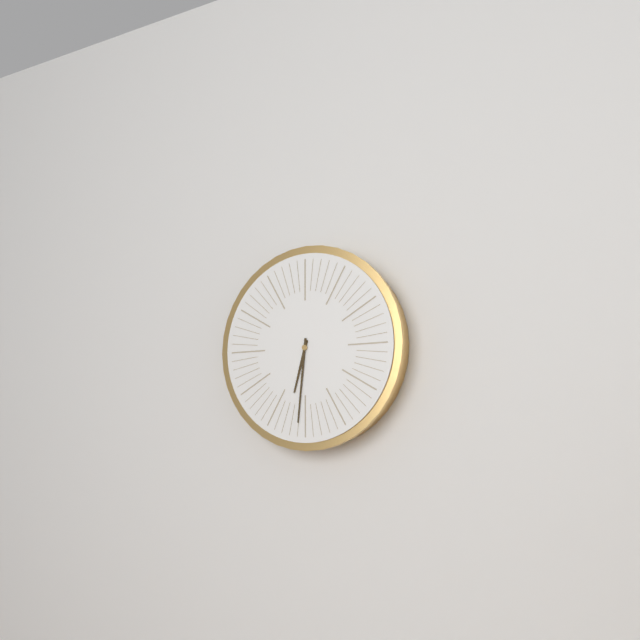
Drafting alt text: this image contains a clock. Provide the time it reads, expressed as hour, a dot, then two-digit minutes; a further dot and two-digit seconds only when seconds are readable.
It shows 6.31
